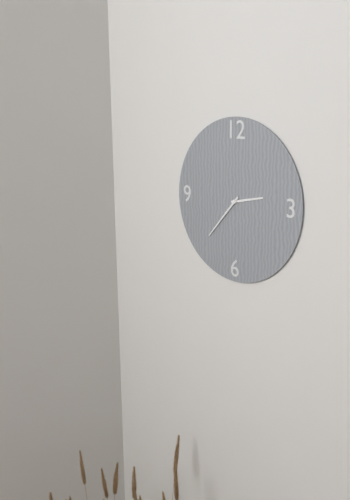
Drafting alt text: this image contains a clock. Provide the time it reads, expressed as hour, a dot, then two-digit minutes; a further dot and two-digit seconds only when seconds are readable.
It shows 2.37
